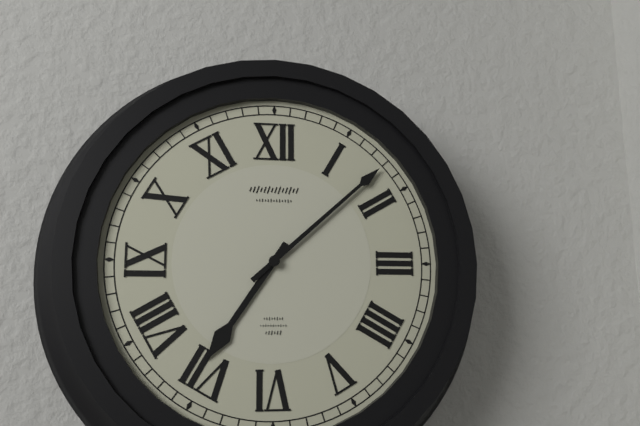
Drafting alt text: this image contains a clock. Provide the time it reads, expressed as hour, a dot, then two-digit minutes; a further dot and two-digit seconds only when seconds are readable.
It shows 7.08
